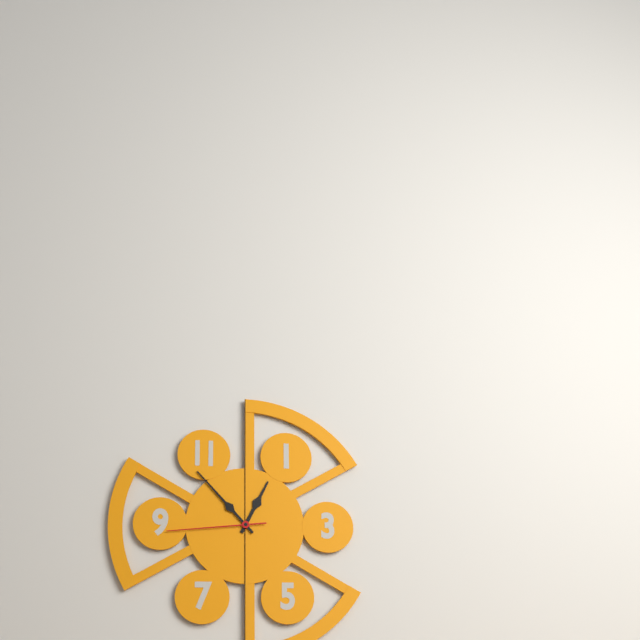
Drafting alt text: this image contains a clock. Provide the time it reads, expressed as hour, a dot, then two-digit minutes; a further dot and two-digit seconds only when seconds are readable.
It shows 12.53.44
